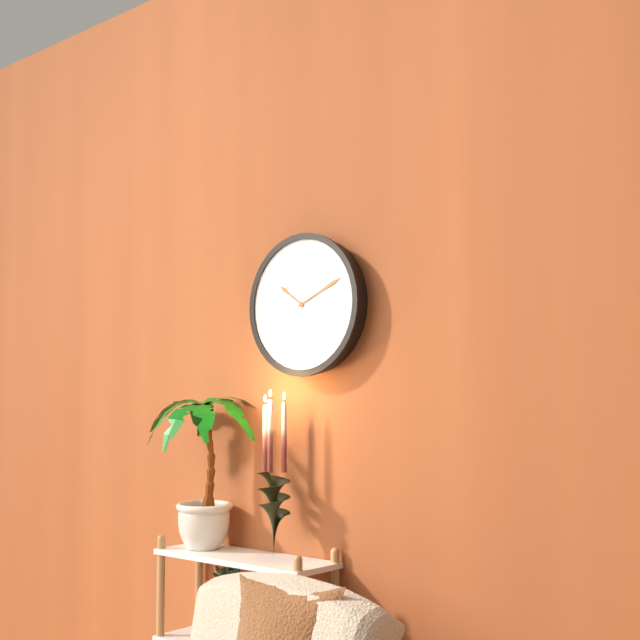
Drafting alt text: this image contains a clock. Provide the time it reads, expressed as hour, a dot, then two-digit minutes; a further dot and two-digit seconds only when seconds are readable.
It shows 10.11
